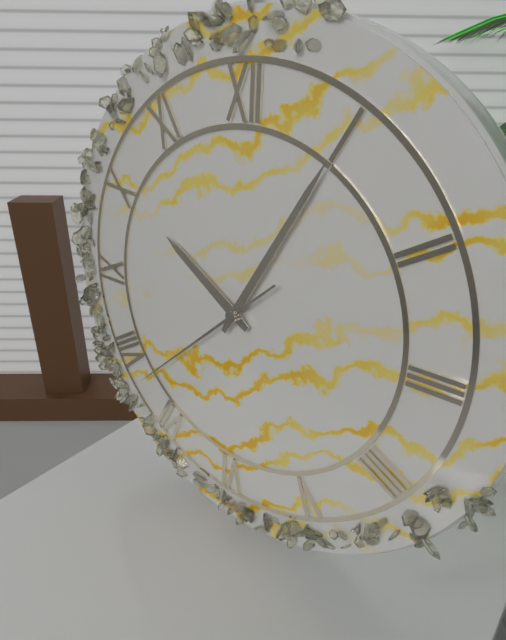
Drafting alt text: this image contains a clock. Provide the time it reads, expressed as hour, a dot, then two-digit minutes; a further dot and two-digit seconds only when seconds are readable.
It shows 10.05.38
